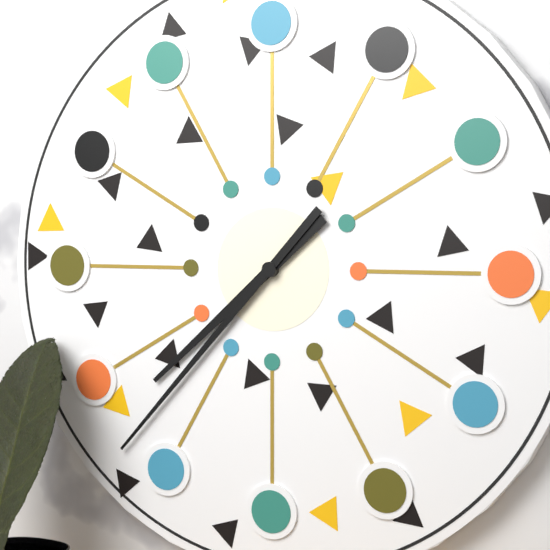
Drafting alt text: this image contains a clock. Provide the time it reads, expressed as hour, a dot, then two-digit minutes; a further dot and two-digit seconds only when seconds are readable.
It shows 7.37
